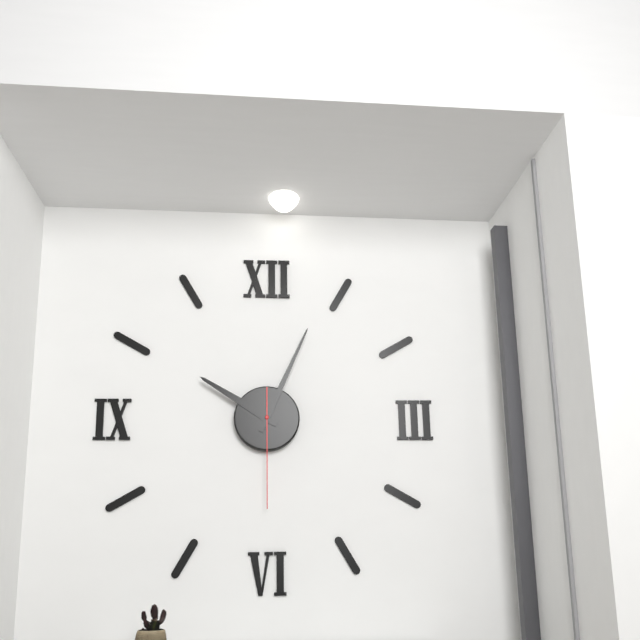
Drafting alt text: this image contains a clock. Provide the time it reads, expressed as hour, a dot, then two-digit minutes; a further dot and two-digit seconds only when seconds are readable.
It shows 10.04.30
